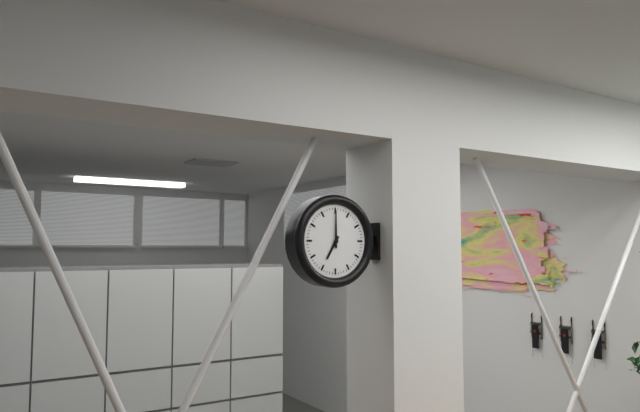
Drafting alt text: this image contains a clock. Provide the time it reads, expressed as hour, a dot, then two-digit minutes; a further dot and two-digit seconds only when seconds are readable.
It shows 7.00
